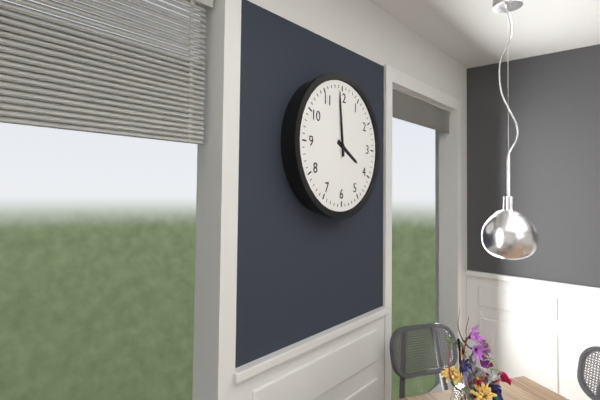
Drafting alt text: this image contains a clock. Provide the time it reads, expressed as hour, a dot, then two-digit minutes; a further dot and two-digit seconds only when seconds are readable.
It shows 3.59
